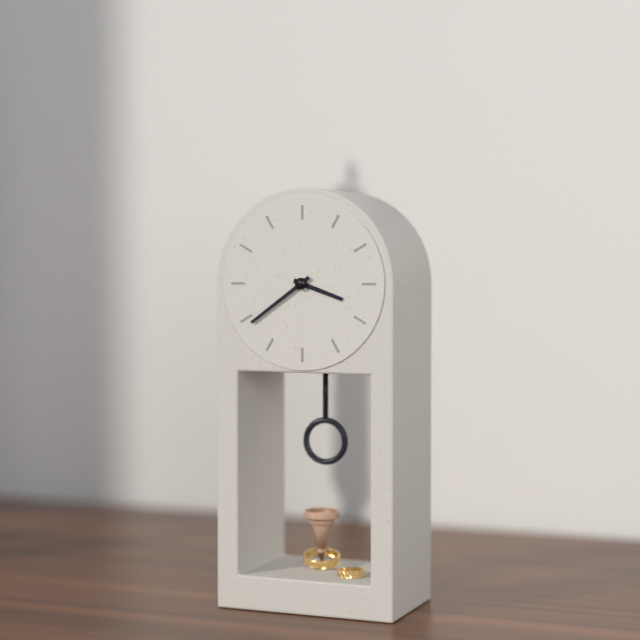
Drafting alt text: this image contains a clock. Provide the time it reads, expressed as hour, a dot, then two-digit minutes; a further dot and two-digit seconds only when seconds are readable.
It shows 3.39
